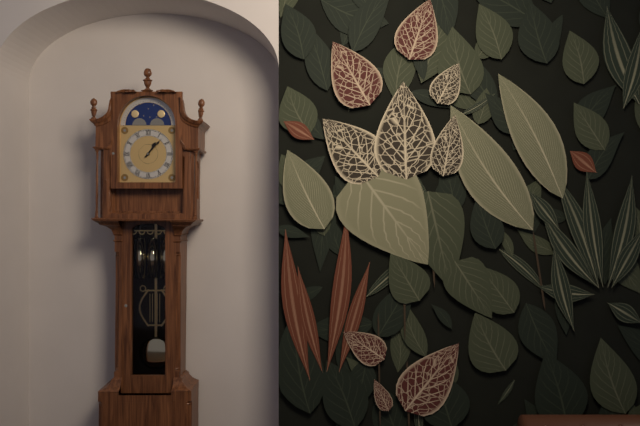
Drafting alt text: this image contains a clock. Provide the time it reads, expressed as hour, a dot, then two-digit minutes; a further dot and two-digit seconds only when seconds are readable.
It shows 1.07
